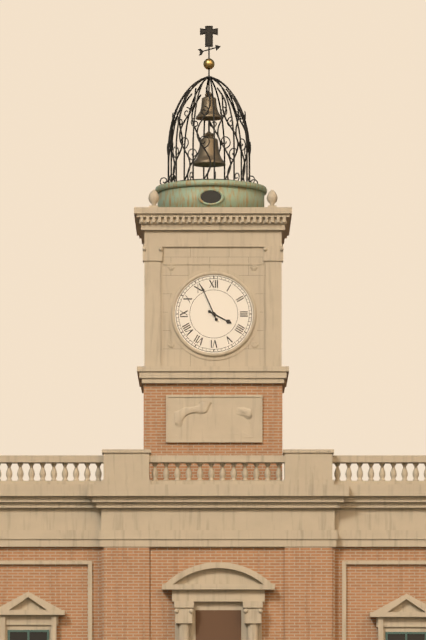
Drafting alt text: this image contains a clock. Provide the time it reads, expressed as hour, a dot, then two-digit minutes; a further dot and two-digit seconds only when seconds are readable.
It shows 3.56
